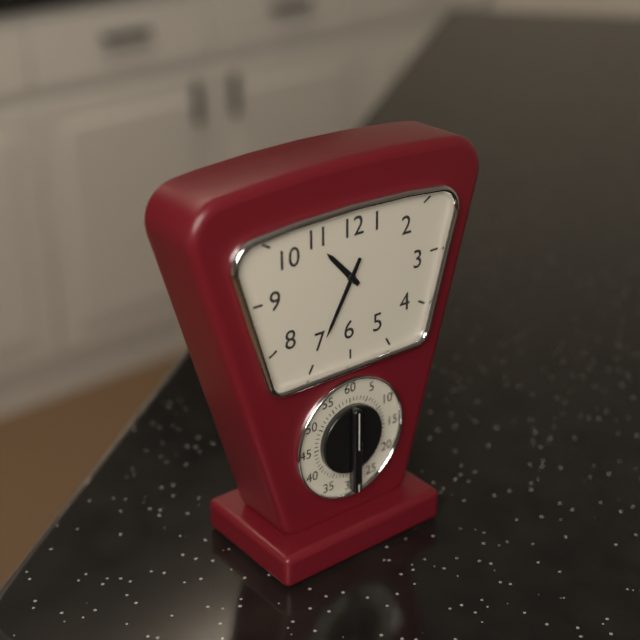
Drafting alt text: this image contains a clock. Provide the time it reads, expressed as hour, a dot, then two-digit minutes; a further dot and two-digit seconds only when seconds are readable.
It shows 10.35
